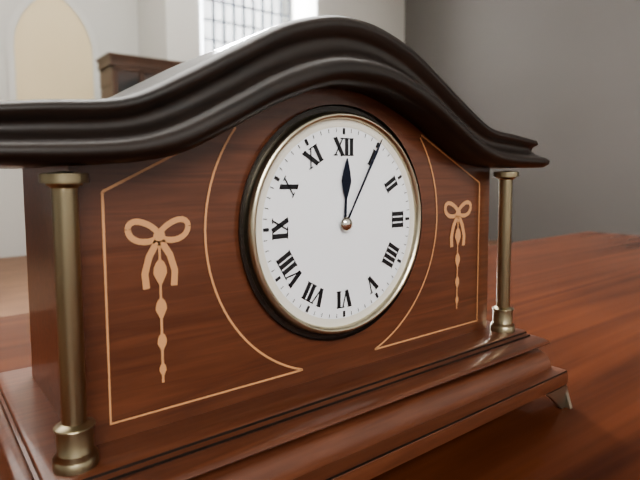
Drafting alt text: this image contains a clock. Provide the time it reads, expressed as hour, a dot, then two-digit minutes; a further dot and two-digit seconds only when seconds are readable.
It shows 12.05
